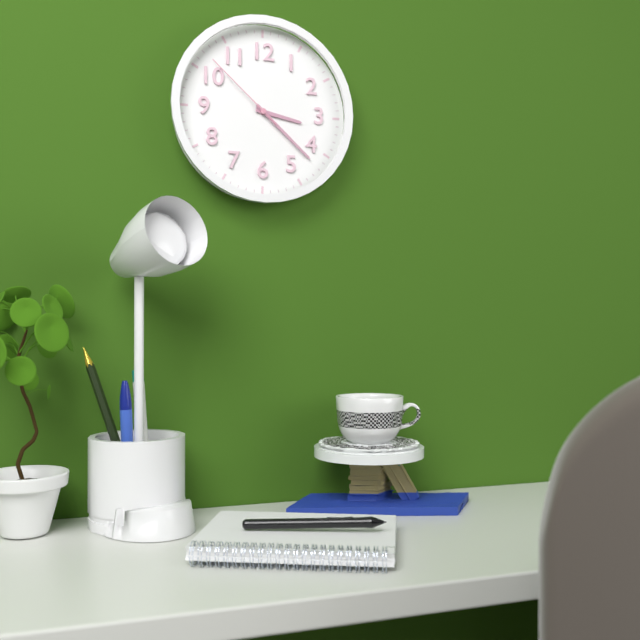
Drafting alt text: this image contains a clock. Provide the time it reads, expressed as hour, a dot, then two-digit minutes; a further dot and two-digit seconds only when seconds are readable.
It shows 3.22.52
